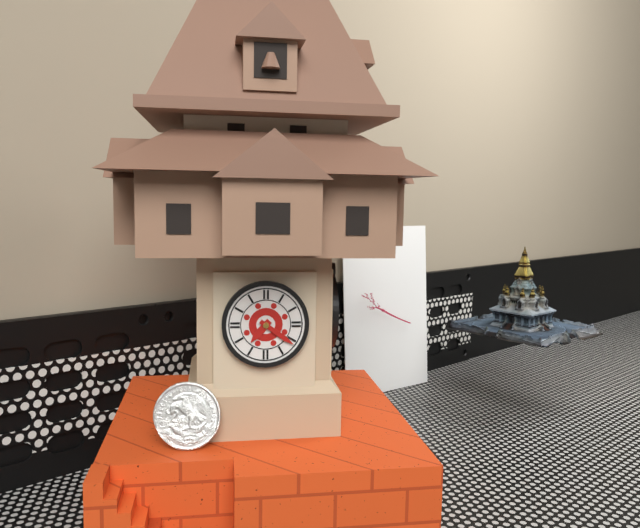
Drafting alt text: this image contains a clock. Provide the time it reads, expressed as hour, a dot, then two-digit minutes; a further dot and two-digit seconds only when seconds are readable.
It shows 7.21
